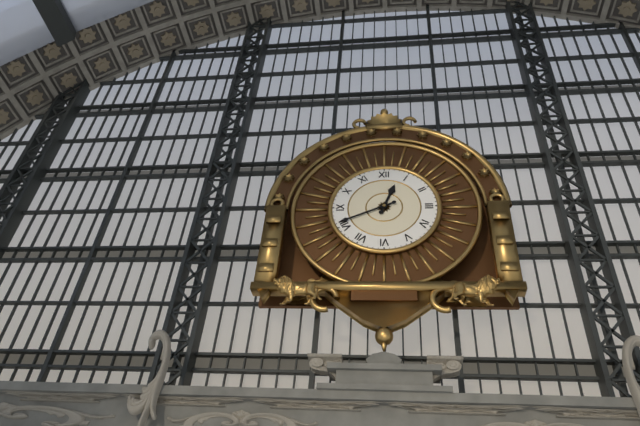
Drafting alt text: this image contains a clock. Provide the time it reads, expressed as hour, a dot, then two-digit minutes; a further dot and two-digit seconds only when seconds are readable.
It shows 12.41
